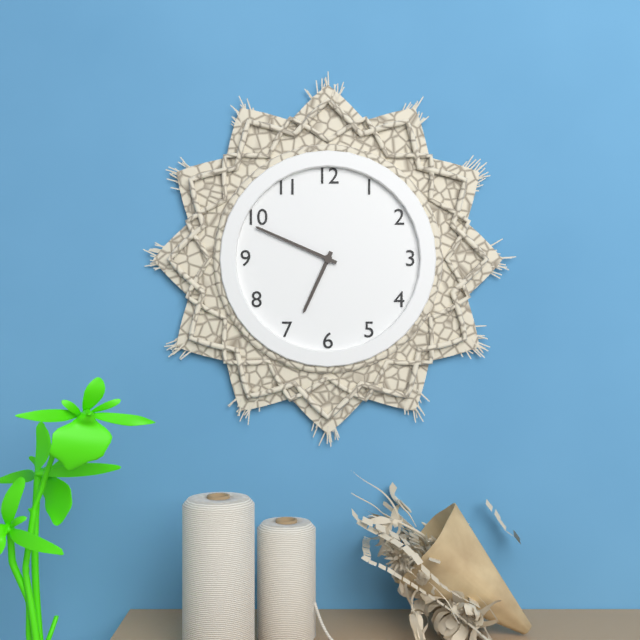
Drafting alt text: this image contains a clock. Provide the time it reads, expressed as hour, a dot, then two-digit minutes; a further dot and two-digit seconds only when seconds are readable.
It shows 6.49
